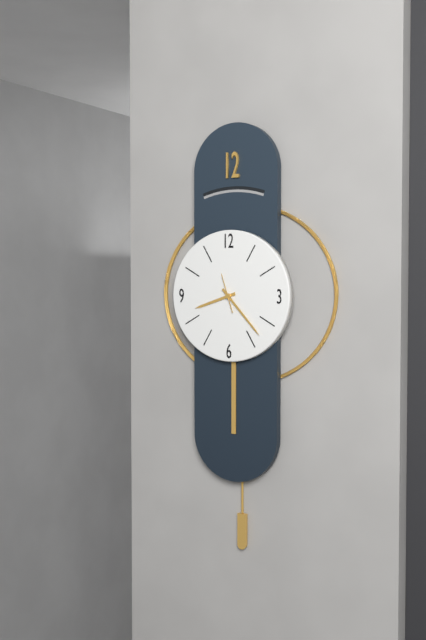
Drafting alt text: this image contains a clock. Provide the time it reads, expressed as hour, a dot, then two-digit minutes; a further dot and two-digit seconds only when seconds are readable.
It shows 8.23
